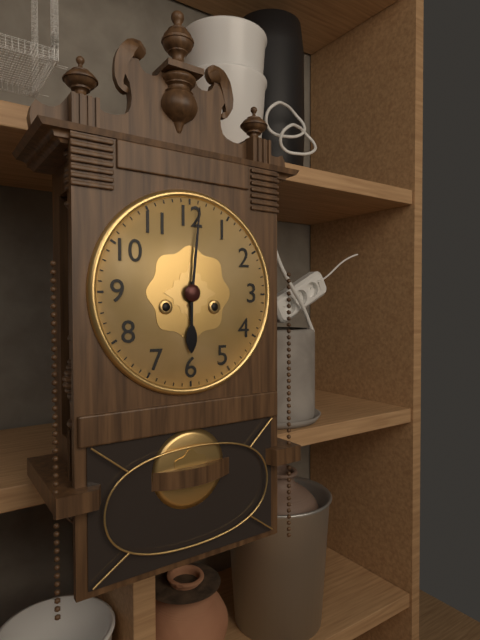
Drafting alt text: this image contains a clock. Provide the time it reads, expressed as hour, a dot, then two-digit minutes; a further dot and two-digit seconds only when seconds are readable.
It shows 6.01
